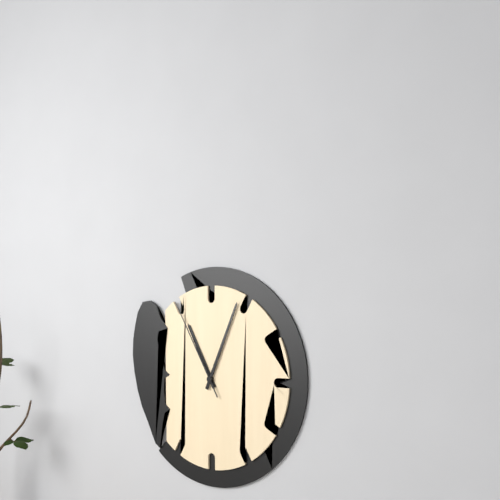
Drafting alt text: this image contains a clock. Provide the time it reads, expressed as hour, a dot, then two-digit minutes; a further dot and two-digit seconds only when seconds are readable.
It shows 11.04.55
